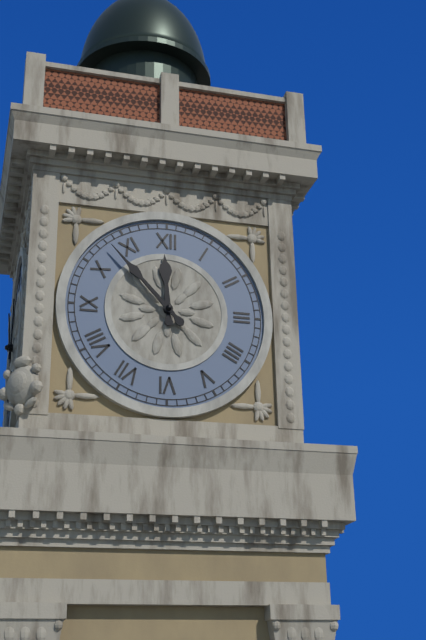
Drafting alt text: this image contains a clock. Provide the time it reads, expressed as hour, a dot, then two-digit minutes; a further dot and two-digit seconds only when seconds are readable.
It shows 11.53
